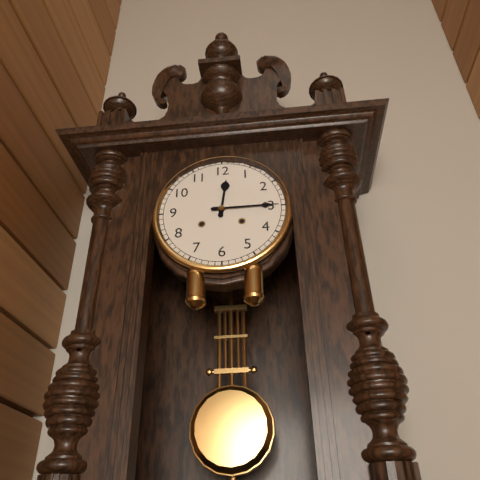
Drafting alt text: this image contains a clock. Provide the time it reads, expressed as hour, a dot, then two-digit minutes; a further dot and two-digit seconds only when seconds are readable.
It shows 12.15
